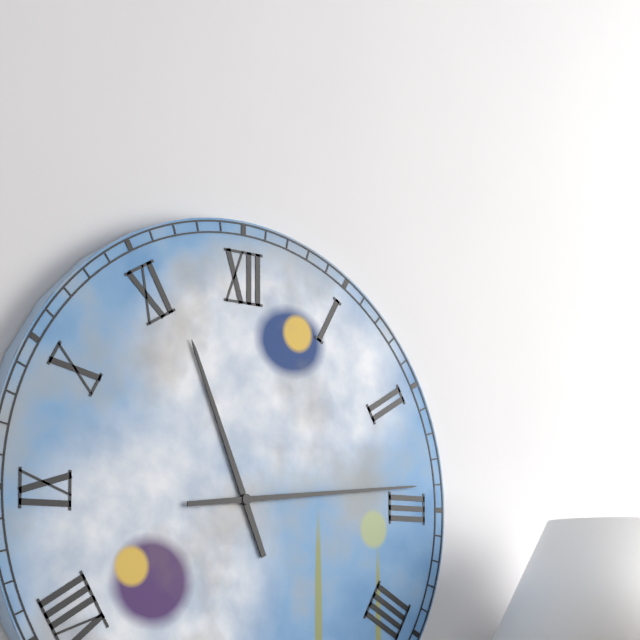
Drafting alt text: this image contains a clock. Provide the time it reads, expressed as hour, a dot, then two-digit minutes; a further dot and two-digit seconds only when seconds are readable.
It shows 11.14
